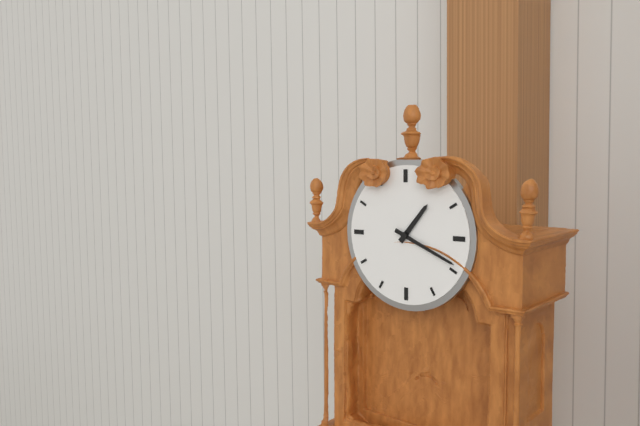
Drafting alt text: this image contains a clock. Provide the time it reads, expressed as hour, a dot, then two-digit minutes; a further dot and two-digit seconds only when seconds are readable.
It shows 1.19
